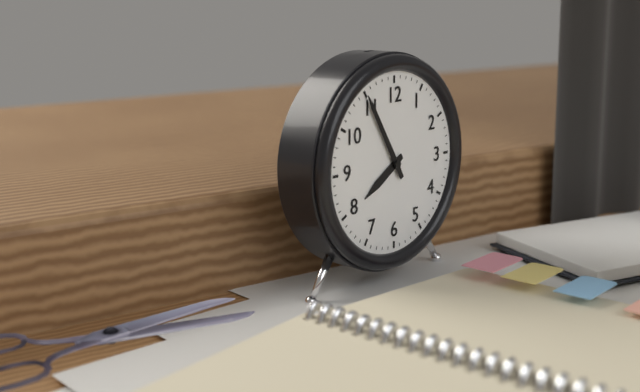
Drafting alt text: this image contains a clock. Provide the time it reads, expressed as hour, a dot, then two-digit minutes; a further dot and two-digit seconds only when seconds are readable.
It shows 7.55
